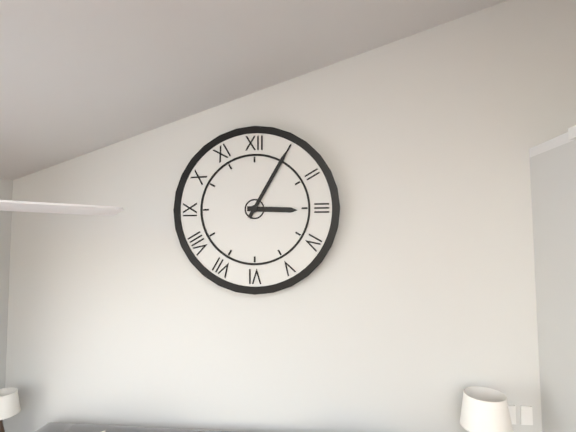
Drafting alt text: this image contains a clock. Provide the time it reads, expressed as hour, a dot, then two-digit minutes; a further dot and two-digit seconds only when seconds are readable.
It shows 3.05
